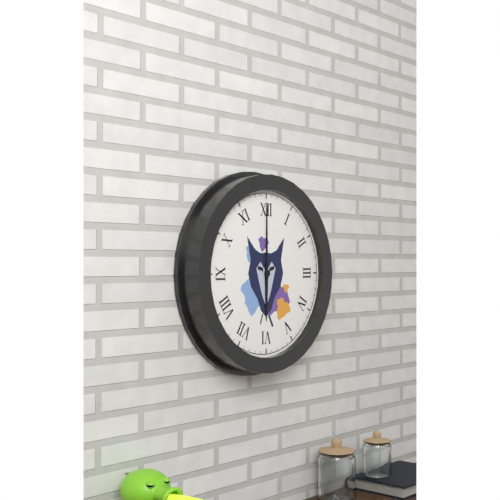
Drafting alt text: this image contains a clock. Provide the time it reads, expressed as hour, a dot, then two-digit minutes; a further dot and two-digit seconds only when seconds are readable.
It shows 6.00
